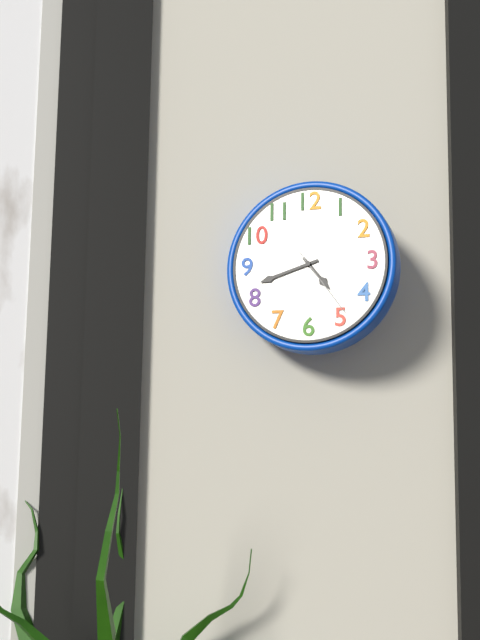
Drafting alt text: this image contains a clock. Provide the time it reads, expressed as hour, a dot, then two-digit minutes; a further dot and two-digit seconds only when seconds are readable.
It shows 4.42.24
